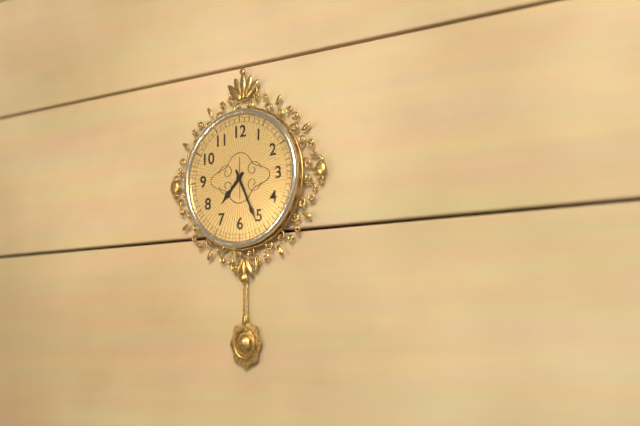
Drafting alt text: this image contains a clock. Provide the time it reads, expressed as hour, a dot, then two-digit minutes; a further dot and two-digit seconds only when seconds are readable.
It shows 7.26
